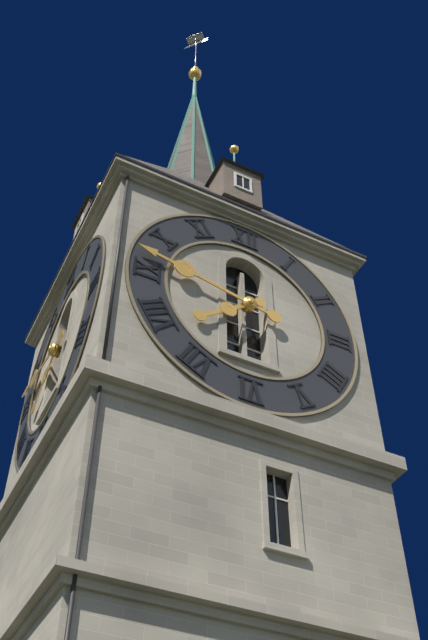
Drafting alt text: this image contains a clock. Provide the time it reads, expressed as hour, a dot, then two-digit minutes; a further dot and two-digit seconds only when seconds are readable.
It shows 7.47
